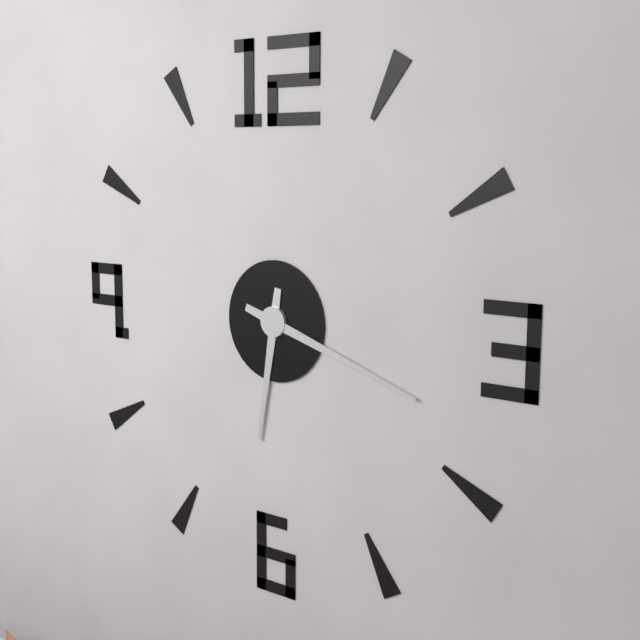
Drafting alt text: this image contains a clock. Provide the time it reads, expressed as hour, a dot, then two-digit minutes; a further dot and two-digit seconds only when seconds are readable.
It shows 6.18
